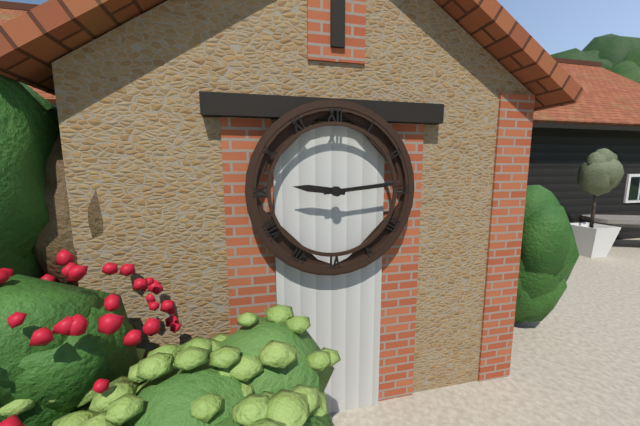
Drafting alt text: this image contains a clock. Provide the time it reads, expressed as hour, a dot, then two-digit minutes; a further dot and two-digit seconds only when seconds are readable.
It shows 9.14
